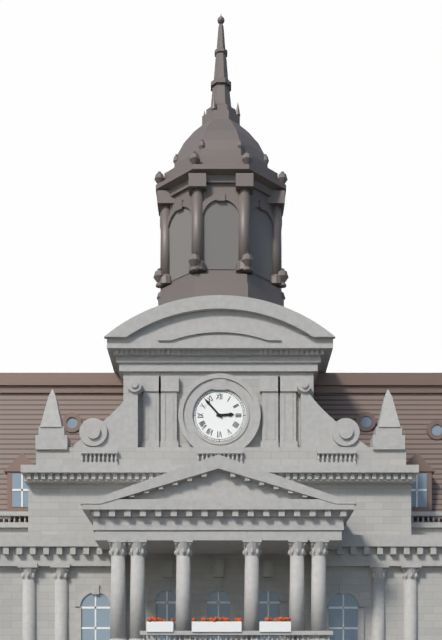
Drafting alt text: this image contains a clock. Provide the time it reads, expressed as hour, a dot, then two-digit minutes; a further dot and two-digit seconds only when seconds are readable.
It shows 2.53
